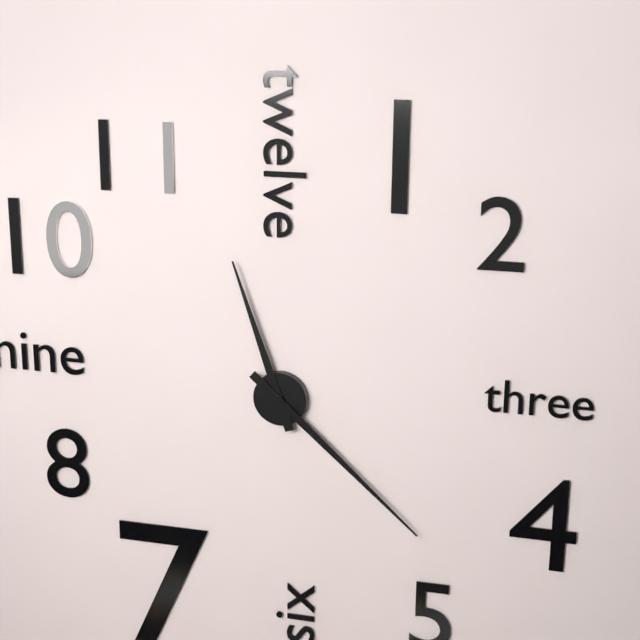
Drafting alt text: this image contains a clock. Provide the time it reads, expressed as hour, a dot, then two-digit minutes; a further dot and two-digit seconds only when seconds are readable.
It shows 11.22
